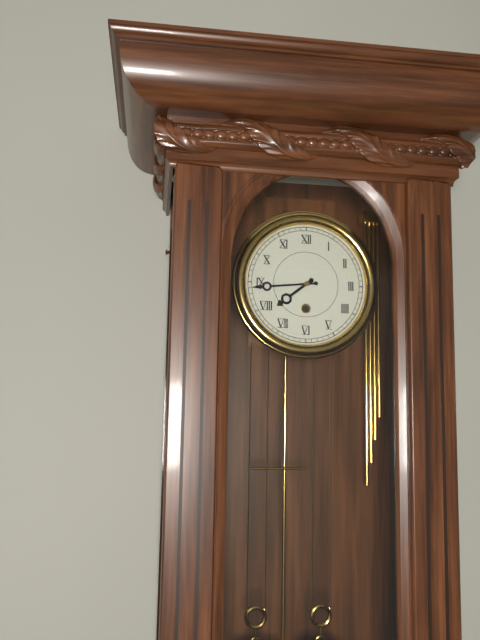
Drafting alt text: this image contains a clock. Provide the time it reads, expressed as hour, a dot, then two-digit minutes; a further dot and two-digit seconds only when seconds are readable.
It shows 7.44
